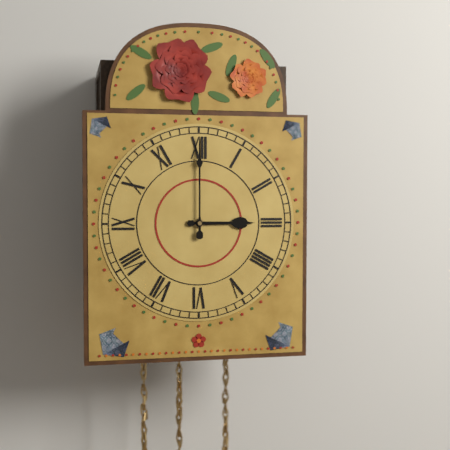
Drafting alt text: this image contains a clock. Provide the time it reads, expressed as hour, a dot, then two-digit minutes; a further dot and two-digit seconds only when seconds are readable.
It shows 3.00
